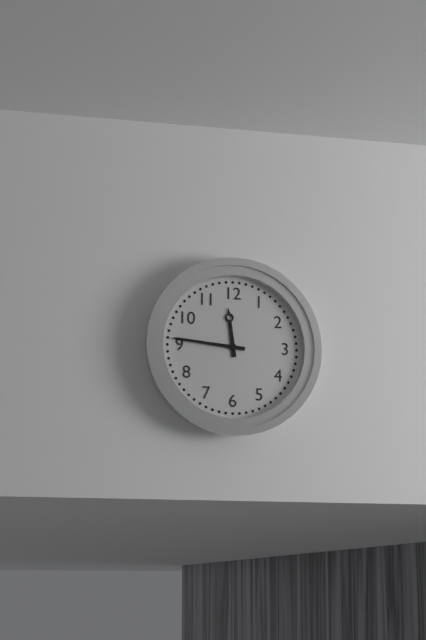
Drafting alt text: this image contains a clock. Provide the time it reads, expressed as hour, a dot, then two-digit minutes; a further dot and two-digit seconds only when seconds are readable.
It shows 11.46
